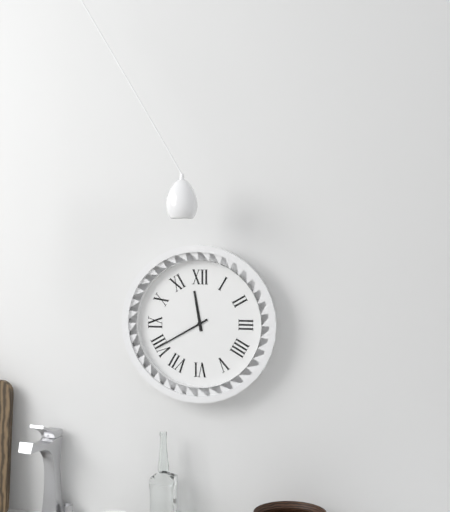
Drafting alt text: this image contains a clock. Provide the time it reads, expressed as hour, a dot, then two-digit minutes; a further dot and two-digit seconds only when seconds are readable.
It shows 11.40
